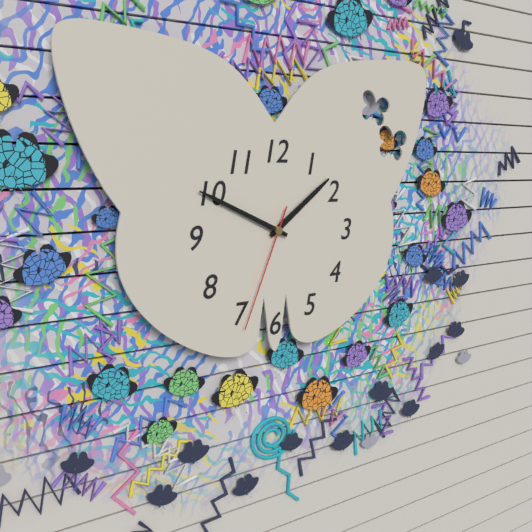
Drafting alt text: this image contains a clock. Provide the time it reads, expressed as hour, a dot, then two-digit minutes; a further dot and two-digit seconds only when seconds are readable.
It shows 1.49.34
